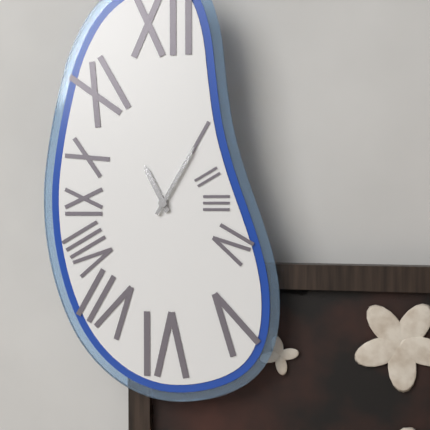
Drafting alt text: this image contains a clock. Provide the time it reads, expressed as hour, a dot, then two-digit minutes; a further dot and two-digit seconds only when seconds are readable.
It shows 11.05
